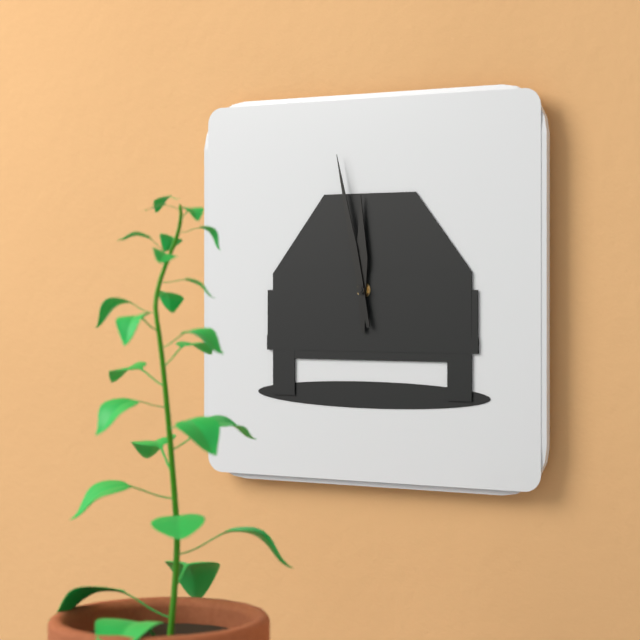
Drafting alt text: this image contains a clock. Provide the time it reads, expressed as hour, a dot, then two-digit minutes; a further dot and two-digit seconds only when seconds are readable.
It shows 11.58
